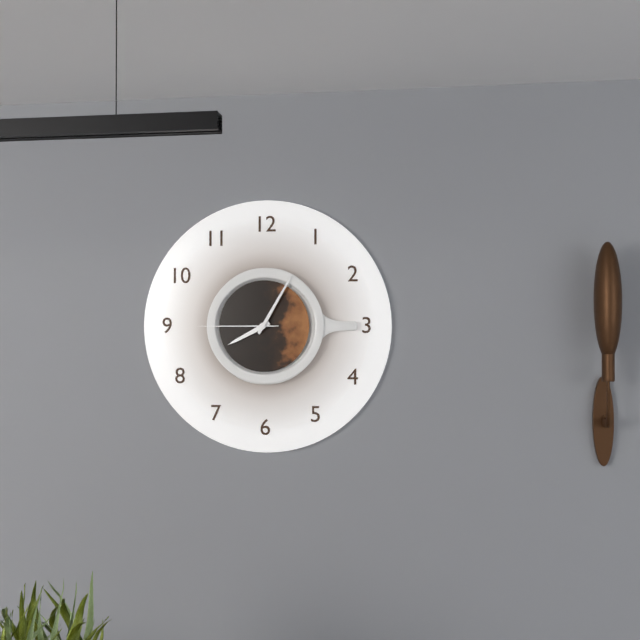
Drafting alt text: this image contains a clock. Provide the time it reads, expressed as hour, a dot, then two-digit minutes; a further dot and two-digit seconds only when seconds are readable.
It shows 8.05.45
